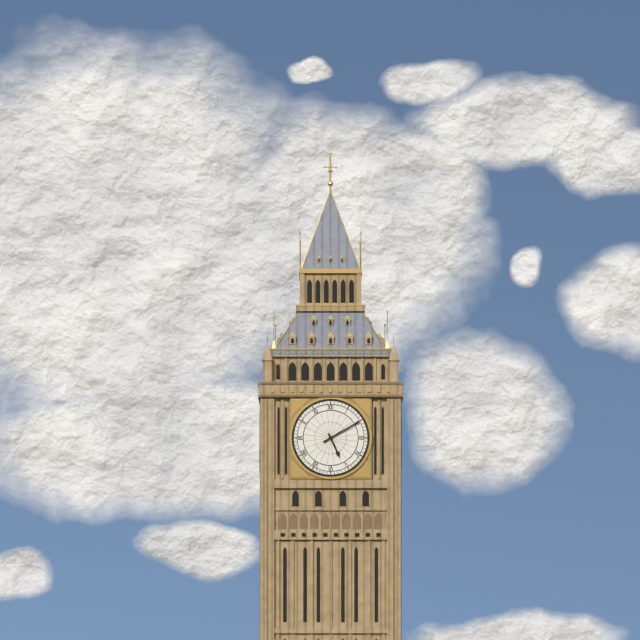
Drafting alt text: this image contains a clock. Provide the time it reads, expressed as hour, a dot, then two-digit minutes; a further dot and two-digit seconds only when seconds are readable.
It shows 5.10
